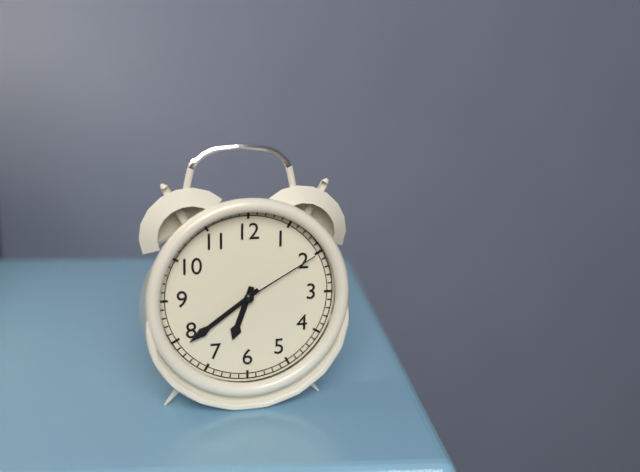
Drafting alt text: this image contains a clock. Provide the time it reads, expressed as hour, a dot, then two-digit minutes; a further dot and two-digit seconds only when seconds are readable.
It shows 6.39.10
